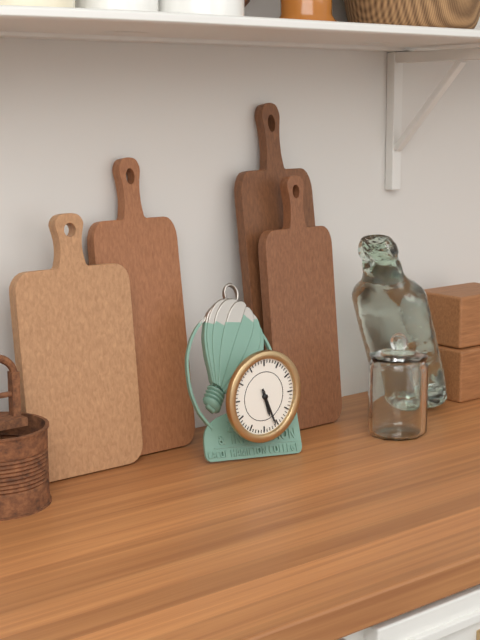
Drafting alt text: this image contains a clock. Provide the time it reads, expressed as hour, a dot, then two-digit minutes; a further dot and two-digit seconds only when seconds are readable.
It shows 5.26
